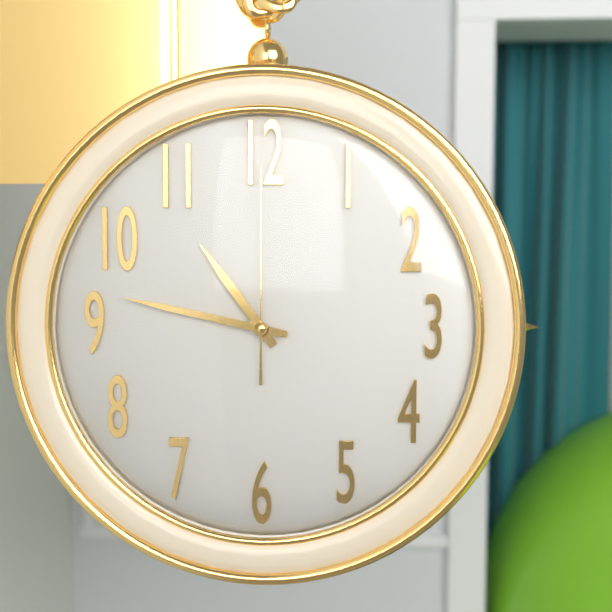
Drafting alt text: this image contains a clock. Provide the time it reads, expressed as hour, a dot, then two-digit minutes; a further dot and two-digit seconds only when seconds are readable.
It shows 10.47.00
